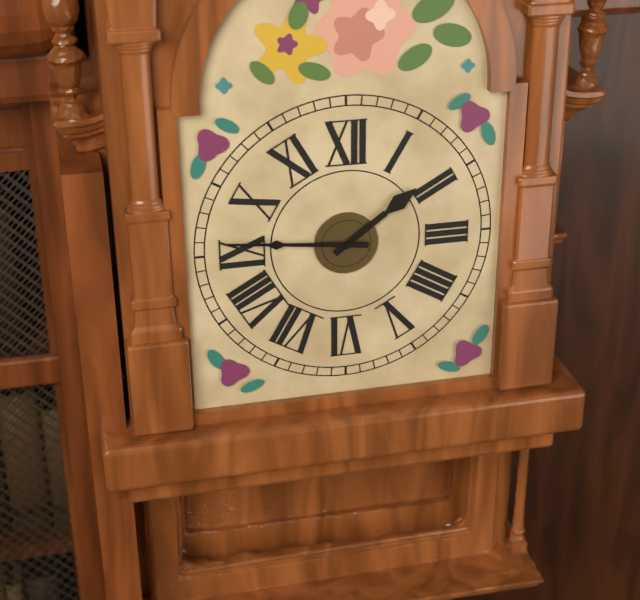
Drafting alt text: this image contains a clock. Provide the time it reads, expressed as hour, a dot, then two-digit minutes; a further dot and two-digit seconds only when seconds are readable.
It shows 1.46
